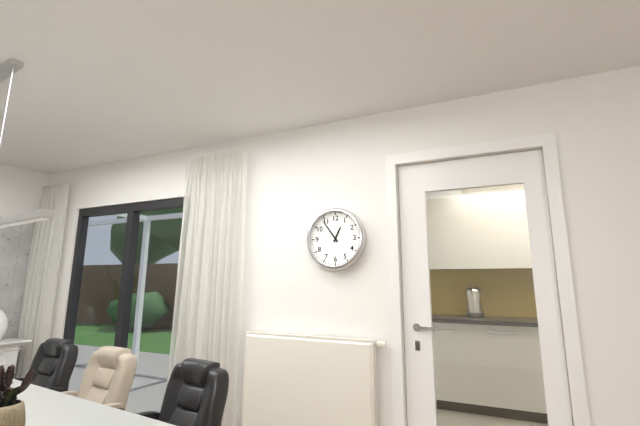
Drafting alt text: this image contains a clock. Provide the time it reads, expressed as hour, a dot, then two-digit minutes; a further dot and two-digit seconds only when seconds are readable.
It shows 12.54
